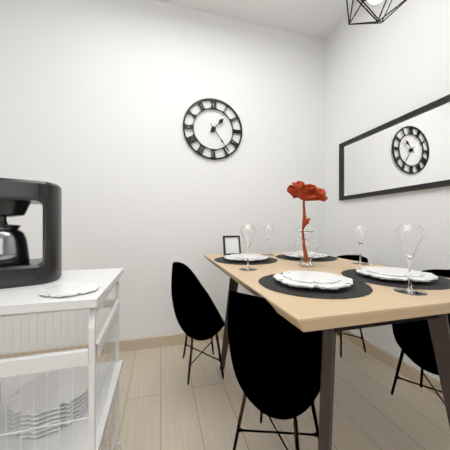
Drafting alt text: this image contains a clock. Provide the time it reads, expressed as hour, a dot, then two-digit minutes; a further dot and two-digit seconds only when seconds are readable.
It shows 1.24
